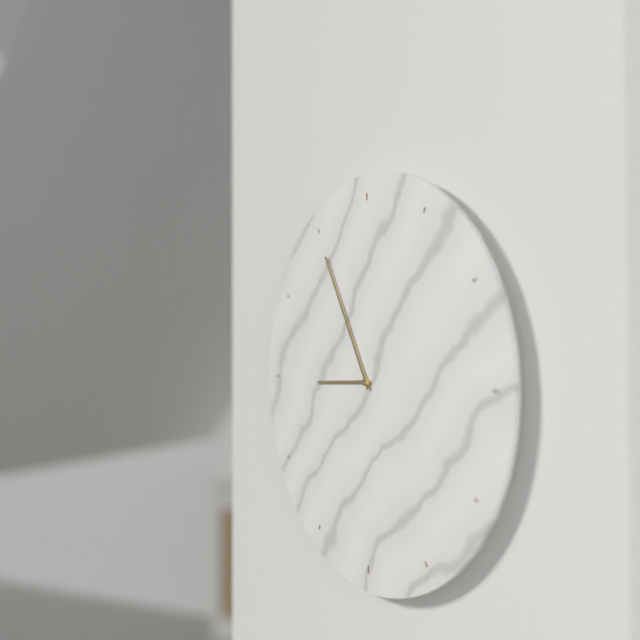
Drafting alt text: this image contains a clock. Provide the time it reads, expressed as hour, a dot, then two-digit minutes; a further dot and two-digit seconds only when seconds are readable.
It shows 8.55
